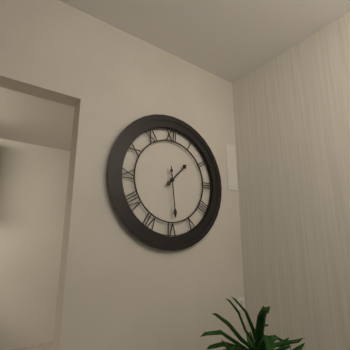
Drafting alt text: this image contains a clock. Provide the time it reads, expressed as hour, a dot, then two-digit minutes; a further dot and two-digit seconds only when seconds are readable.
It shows 1.29
